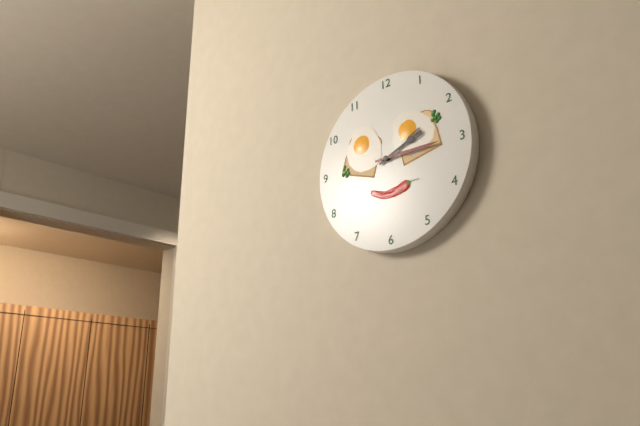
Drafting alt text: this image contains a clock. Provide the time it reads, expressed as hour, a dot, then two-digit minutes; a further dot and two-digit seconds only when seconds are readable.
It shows 2.15
